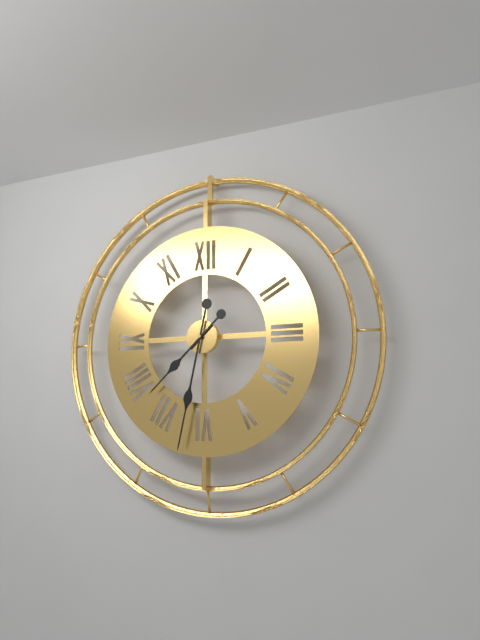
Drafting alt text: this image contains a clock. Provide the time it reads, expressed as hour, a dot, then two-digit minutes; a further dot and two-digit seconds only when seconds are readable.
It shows 7.32
